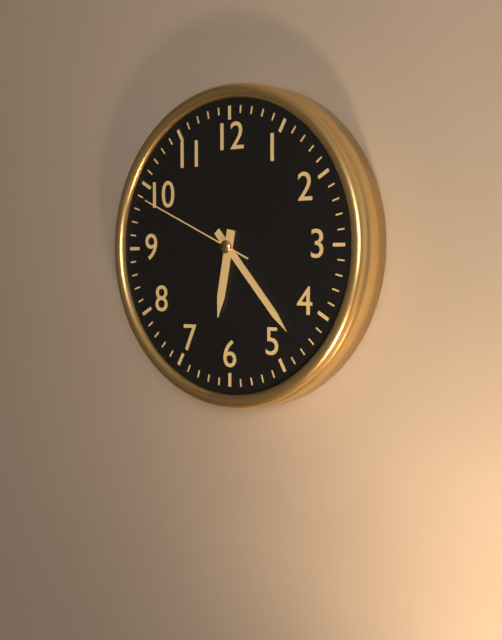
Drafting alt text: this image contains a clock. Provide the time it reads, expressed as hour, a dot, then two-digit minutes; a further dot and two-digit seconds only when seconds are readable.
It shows 6.23.49
